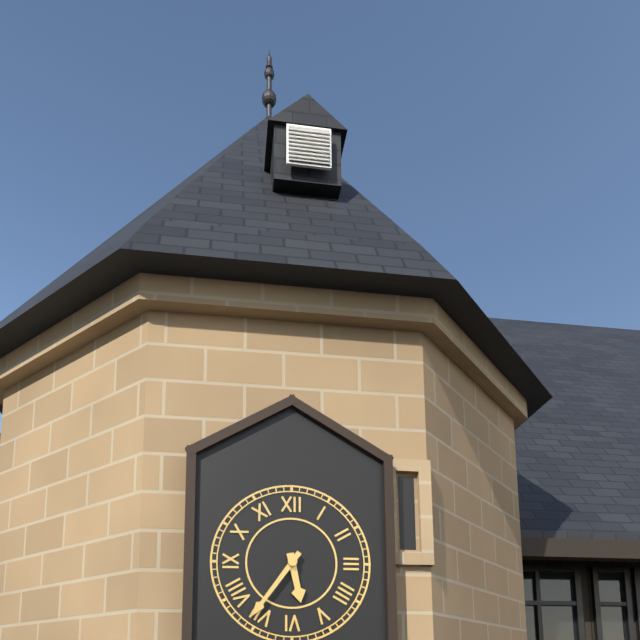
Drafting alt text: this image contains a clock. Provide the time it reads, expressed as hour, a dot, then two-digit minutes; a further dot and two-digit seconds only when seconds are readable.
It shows 5.36
